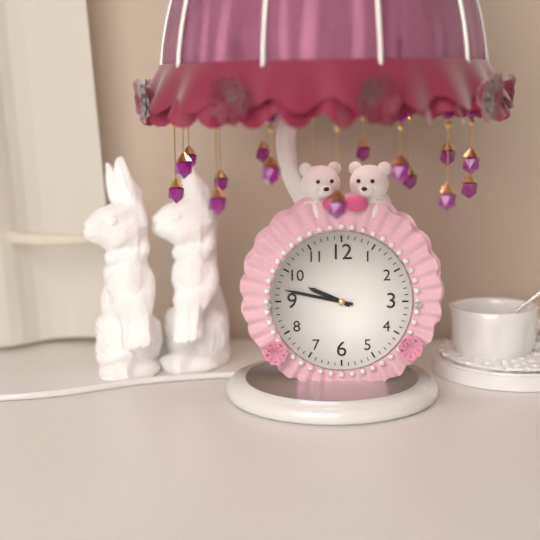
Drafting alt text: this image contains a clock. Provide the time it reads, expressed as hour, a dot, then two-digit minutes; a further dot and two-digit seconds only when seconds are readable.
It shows 9.47
